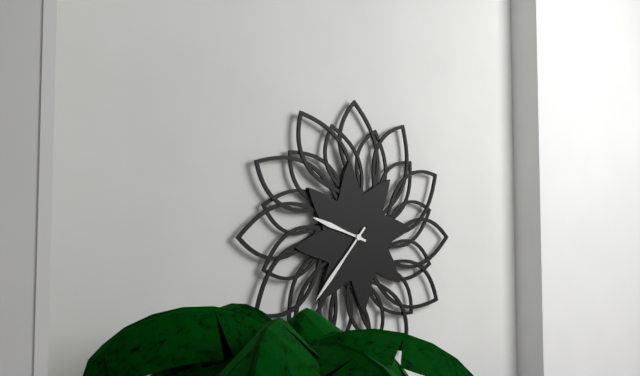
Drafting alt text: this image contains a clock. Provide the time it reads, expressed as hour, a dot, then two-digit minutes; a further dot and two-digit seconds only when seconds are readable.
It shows 9.37
